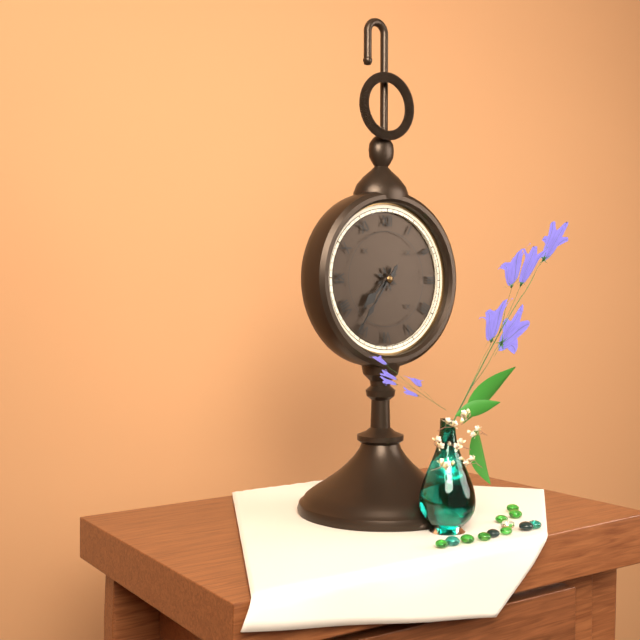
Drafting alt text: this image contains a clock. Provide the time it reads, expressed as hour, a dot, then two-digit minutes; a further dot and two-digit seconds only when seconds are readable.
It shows 7.36
